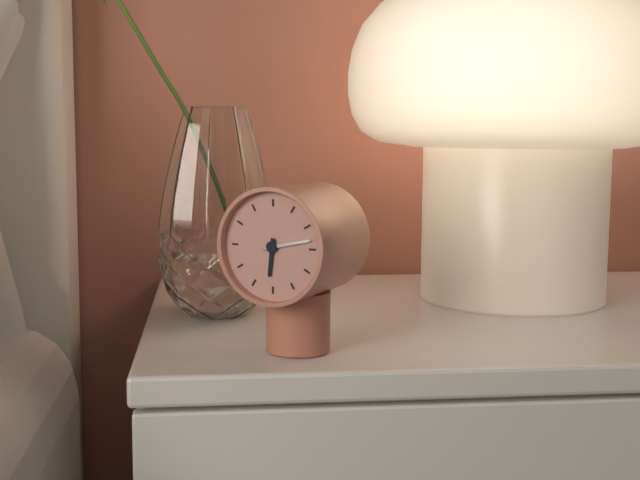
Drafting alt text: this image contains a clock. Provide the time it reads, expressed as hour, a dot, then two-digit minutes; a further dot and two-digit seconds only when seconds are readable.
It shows 6.13
